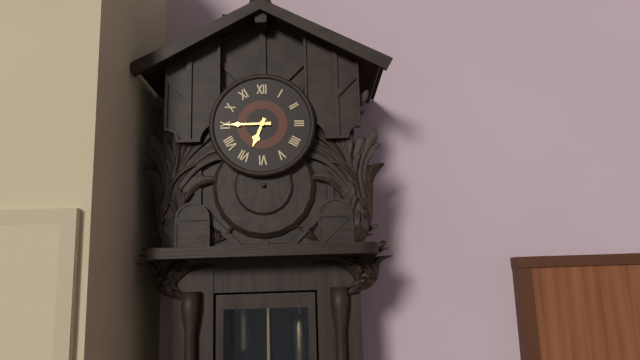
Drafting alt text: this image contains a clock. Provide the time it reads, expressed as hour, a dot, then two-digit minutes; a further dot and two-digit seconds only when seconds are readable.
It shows 6.45
